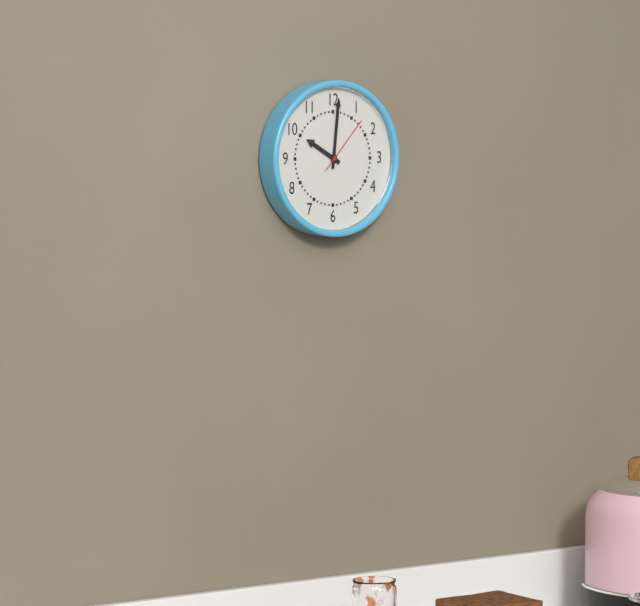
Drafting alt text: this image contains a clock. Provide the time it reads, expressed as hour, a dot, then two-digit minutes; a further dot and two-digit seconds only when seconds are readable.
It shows 10.01.07
